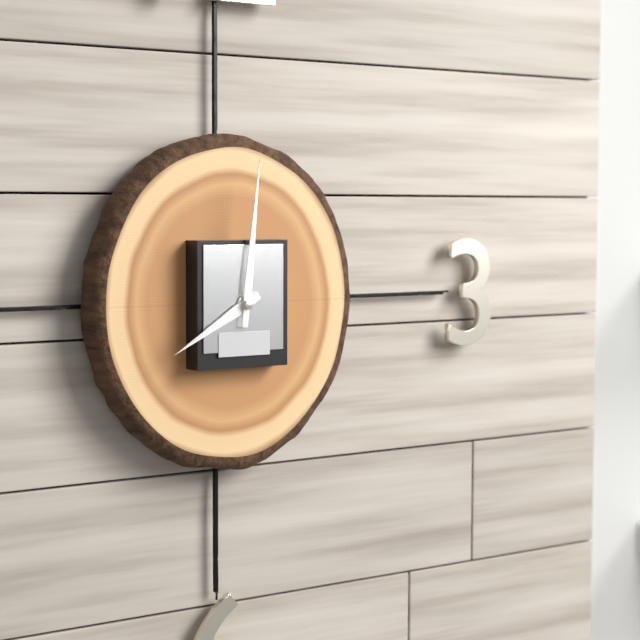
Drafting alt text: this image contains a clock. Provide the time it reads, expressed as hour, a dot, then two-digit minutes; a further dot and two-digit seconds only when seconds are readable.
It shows 8.01
